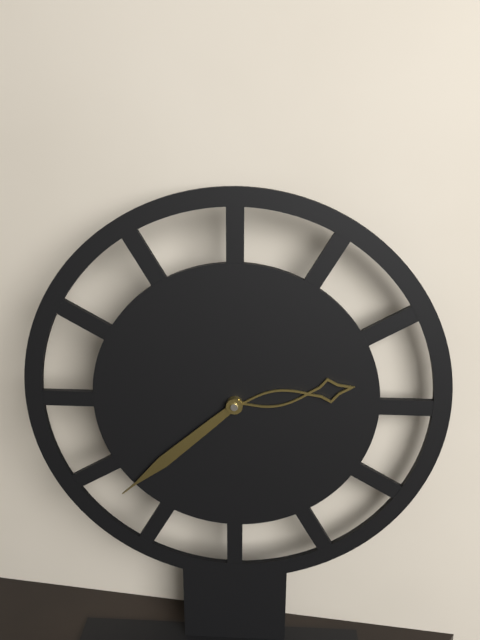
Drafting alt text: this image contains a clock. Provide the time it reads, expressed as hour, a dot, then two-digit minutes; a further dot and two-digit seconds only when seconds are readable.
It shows 2.38
